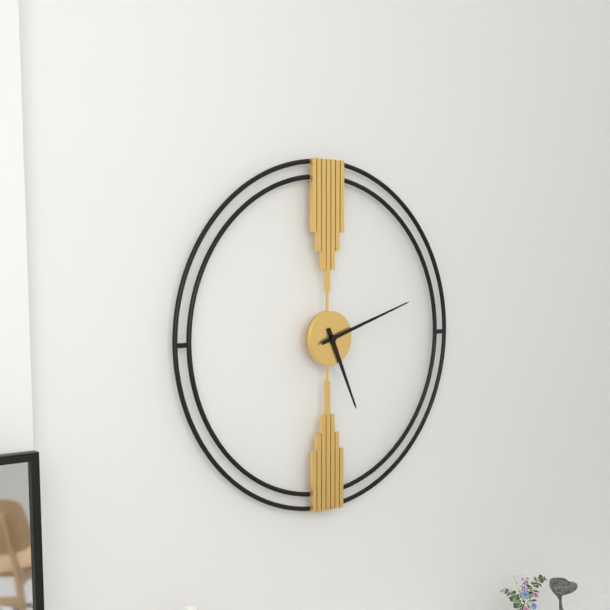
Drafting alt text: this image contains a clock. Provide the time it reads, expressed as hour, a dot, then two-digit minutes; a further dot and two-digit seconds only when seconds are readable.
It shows 5.12
